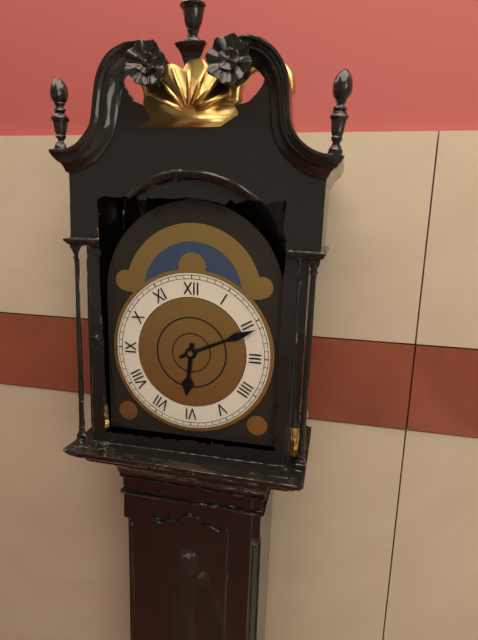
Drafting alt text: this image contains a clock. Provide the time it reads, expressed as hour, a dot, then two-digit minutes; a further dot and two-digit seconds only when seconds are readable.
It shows 6.11
